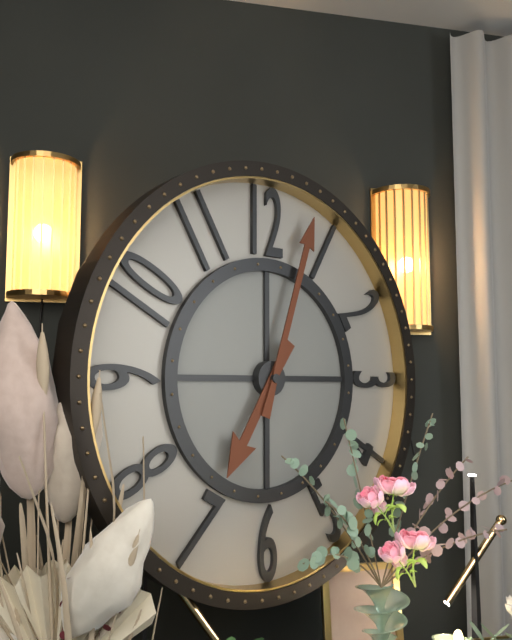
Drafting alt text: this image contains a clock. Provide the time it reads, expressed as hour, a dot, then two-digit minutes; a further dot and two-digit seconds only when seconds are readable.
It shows 7.03
